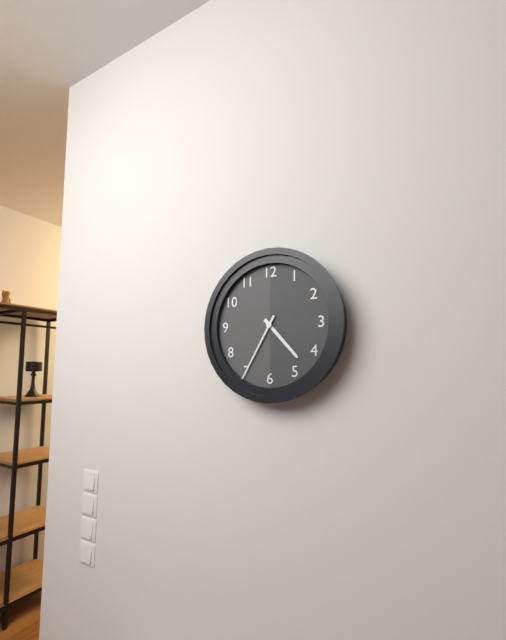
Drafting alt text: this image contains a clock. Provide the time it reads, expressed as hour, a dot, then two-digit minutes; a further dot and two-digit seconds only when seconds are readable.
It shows 4.35
